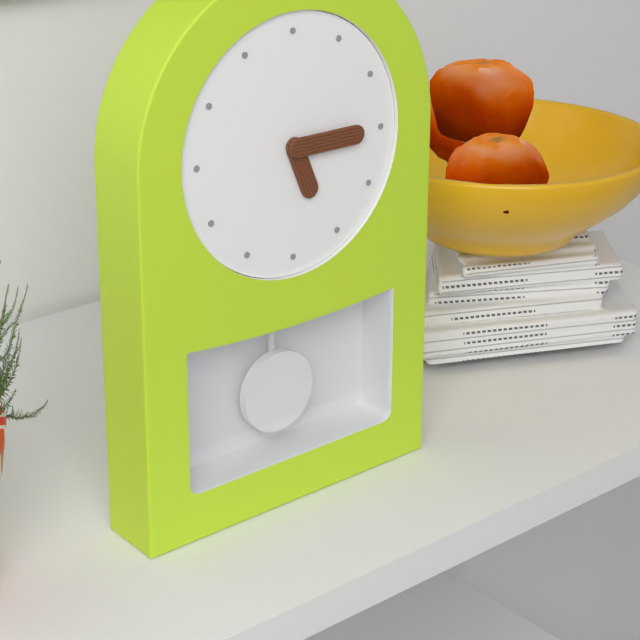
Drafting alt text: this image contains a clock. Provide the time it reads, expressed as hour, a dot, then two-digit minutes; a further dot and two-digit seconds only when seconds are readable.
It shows 5.15
